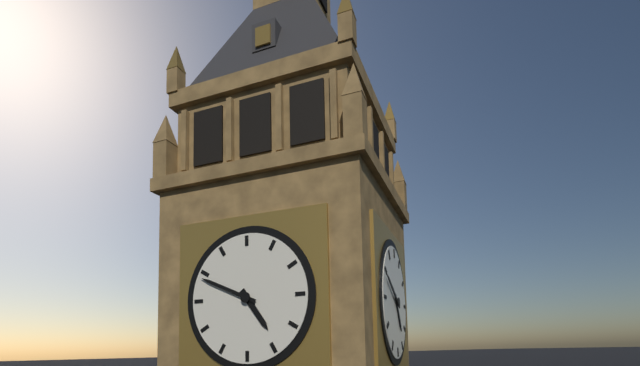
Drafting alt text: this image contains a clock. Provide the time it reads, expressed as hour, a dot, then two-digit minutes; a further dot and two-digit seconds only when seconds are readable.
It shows 4.49
